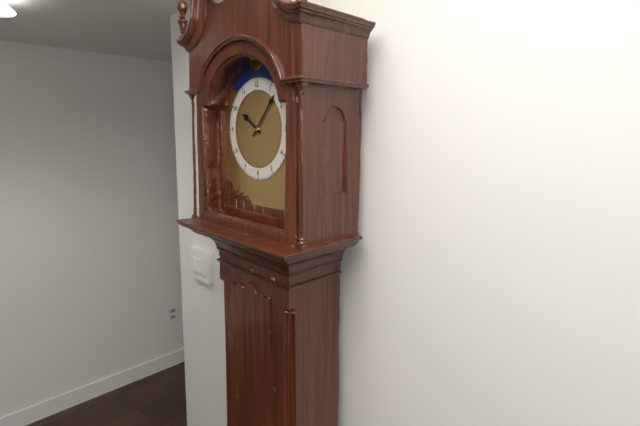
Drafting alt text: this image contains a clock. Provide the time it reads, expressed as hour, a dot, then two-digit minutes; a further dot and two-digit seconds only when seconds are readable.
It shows 10.07
